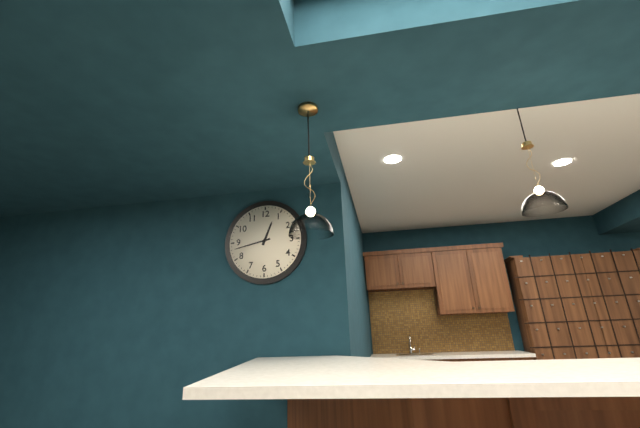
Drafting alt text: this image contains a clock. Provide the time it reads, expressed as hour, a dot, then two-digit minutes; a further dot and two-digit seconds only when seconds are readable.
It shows 12.43
